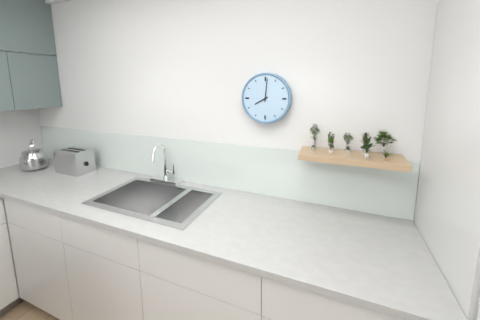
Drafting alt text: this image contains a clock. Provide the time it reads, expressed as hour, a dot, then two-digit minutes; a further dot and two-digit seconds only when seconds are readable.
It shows 8.01
